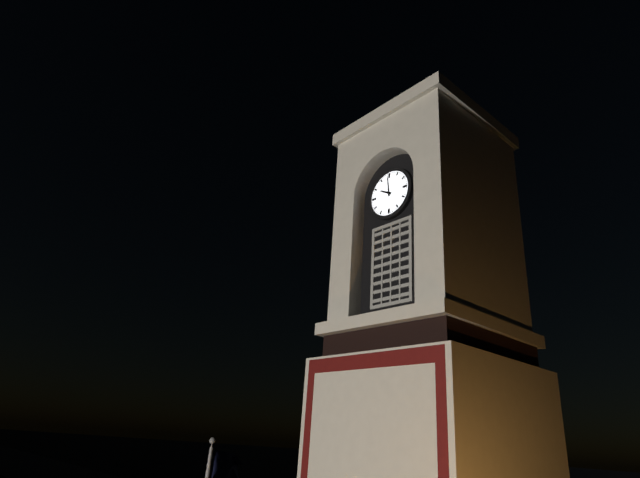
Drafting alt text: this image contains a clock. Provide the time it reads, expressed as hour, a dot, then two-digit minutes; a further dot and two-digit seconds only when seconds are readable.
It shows 9.59
